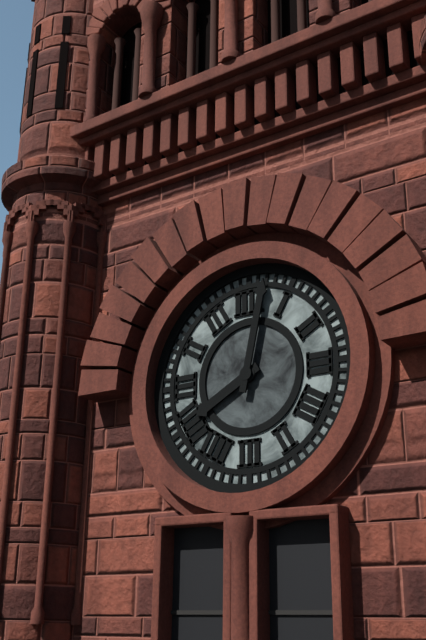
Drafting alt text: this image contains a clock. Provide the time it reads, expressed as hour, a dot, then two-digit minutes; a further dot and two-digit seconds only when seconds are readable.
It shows 8.02
